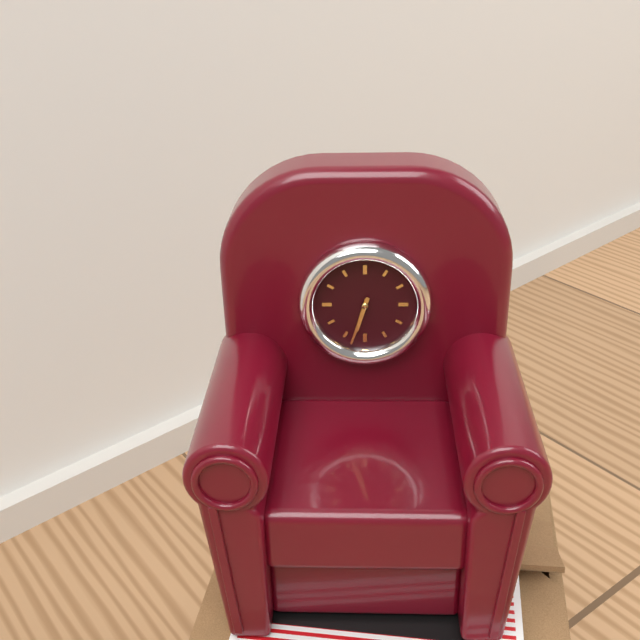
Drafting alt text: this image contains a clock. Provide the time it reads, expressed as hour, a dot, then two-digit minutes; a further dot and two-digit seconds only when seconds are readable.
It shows 6.33
